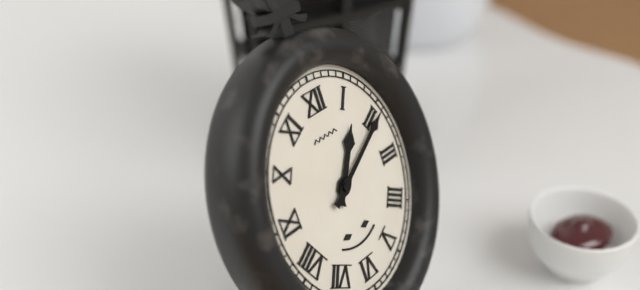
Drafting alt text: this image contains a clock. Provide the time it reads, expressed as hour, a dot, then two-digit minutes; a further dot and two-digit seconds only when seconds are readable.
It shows 1.10
